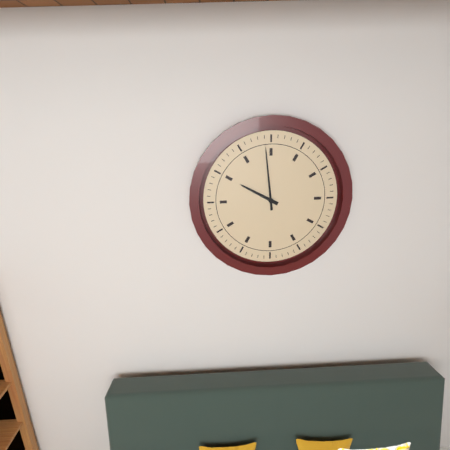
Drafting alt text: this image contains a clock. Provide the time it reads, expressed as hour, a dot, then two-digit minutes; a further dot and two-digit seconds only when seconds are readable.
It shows 9.59
